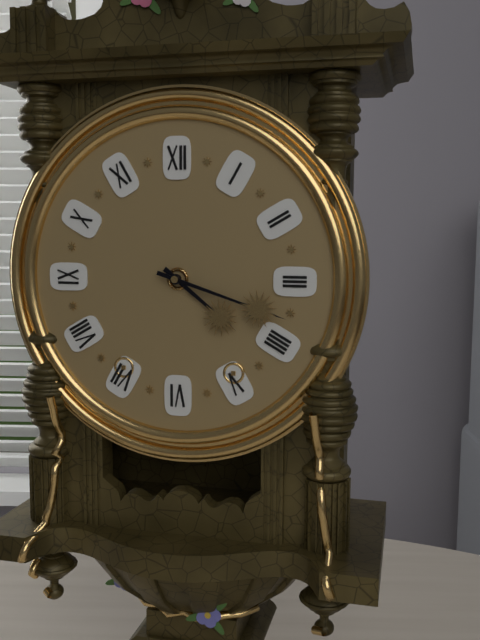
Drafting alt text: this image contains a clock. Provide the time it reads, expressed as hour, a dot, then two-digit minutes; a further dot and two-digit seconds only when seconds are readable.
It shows 4.18
